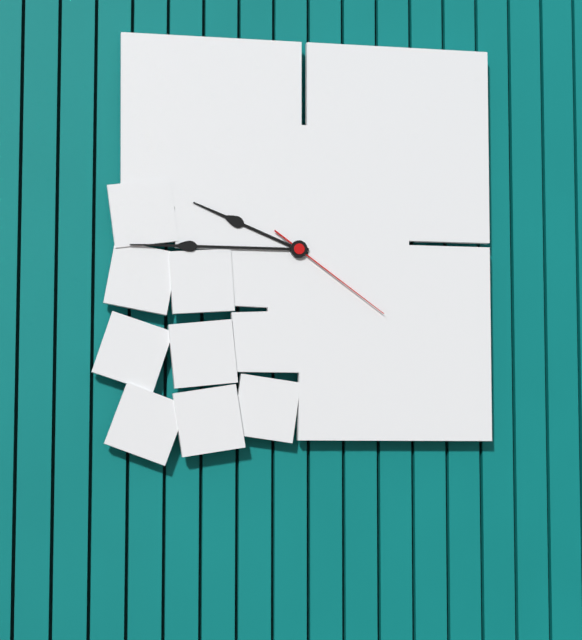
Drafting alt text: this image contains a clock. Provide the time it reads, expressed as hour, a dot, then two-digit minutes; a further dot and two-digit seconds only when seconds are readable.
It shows 9.45.21
